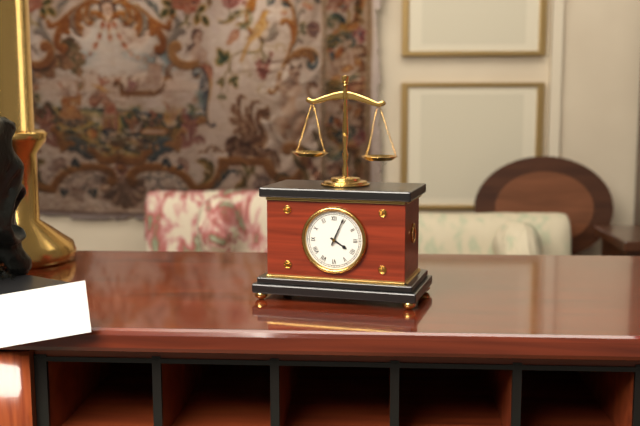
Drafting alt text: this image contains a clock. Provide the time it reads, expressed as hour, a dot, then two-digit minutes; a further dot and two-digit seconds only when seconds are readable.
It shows 4.04
